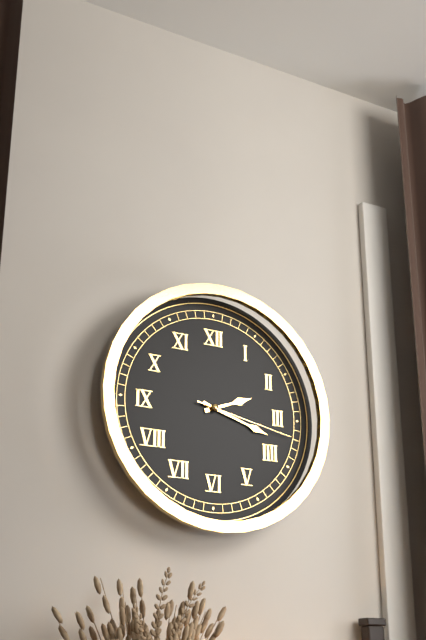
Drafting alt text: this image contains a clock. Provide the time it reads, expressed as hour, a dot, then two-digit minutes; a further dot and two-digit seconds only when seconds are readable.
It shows 2.18.17
